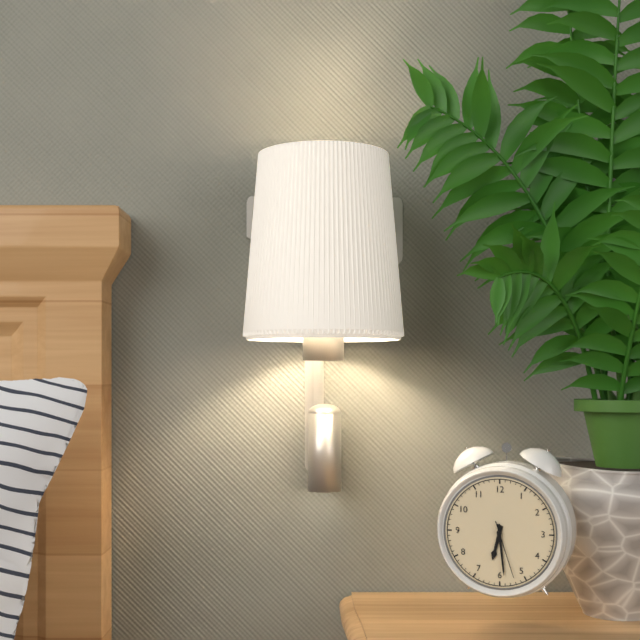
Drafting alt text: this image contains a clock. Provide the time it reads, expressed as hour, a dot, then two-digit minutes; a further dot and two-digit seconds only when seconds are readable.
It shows 6.29.27
